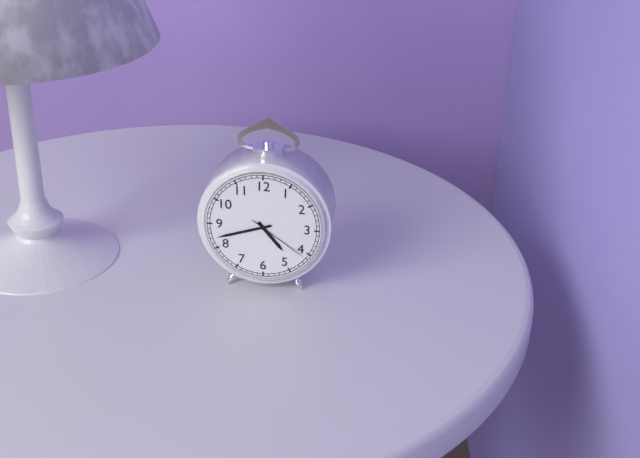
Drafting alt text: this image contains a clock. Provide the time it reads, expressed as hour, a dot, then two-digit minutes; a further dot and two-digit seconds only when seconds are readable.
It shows 4.42.21
